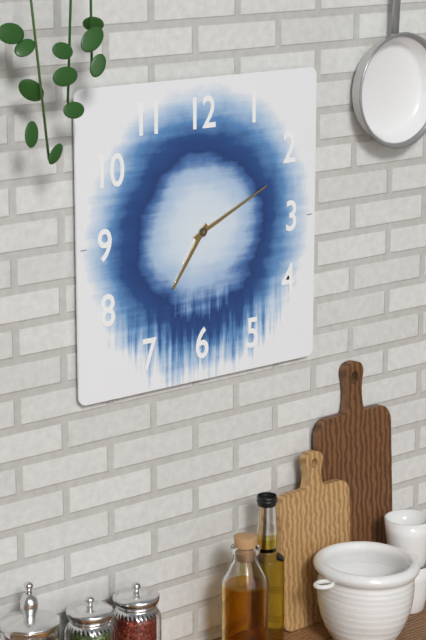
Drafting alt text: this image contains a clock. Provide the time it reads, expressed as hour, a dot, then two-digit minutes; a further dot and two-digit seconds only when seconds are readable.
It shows 7.11
